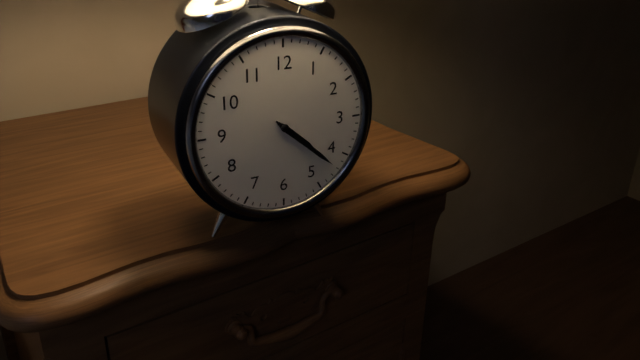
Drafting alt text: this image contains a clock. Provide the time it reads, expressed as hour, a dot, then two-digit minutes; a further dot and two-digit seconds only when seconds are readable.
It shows 4.22
